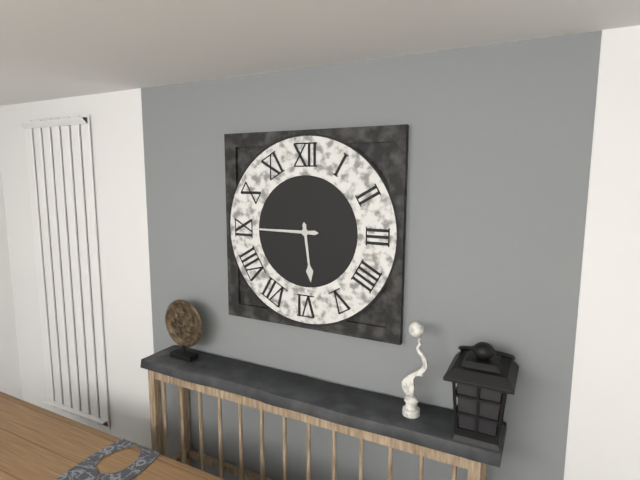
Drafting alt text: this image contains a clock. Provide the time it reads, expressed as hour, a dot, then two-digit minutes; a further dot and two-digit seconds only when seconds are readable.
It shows 5.45
